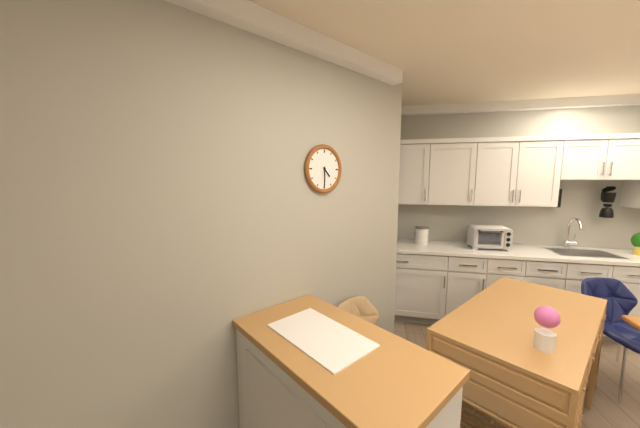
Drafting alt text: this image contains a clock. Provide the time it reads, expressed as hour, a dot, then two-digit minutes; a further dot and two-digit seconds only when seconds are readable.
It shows 4.30
